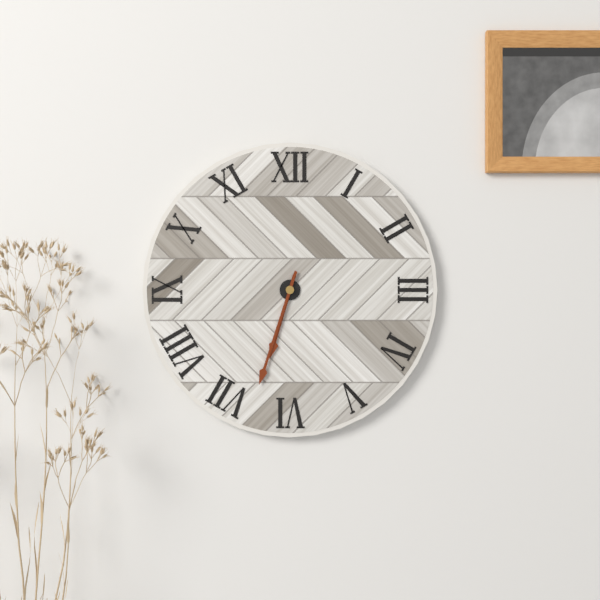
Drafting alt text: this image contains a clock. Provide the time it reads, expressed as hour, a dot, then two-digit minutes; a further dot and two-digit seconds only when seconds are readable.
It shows 6.33
